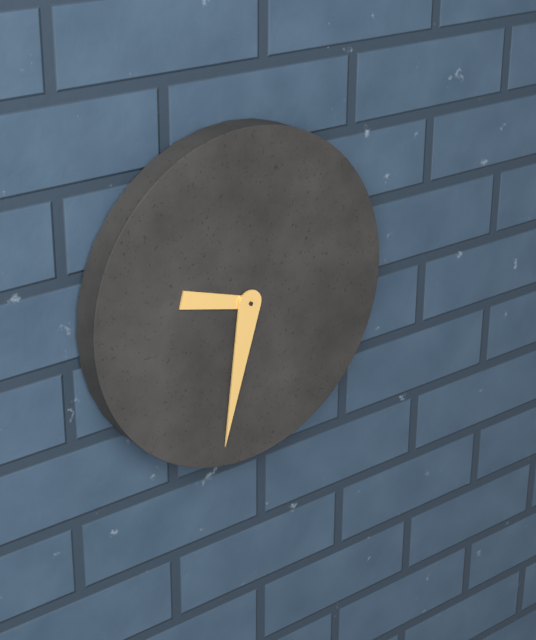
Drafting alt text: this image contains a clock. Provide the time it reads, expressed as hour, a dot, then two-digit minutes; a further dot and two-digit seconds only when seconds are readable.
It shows 9.32
